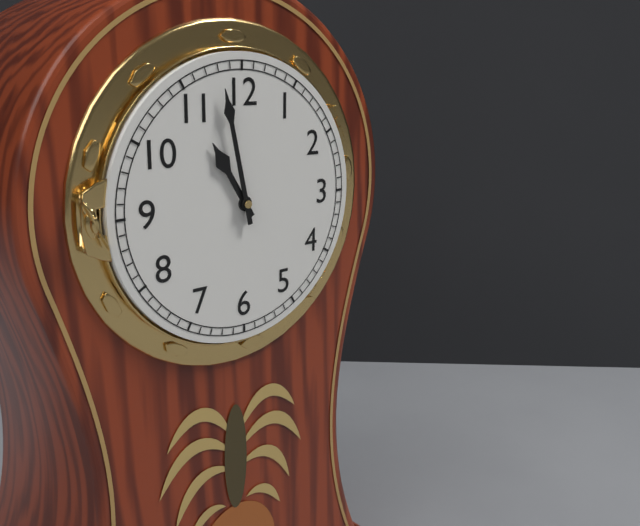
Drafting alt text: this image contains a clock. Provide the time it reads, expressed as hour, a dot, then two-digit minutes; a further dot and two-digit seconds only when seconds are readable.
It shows 10.58
